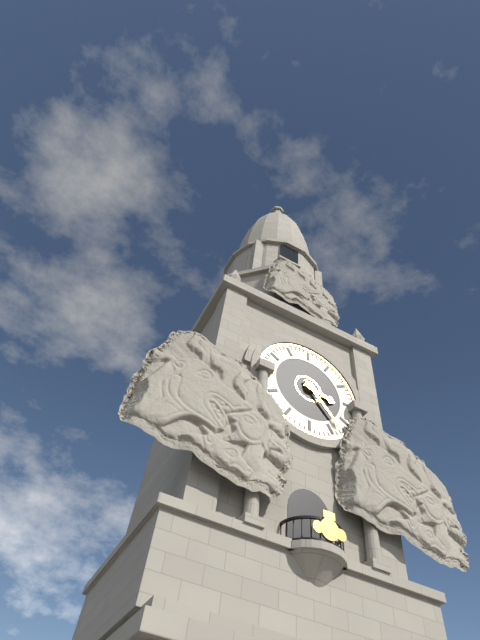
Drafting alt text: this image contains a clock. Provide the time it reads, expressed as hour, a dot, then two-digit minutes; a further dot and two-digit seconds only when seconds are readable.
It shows 3.23
